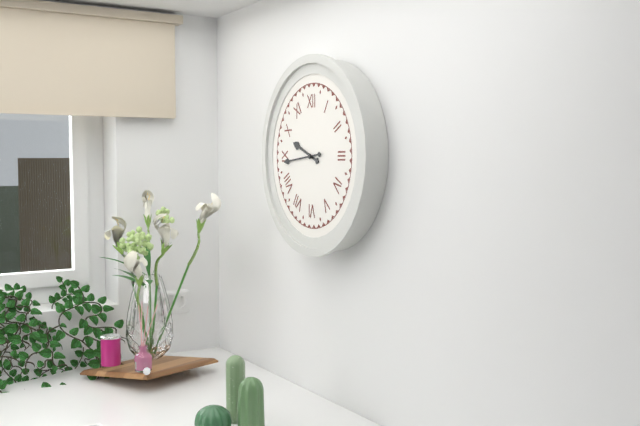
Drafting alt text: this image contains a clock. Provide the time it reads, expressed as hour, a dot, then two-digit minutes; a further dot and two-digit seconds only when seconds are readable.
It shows 9.44
